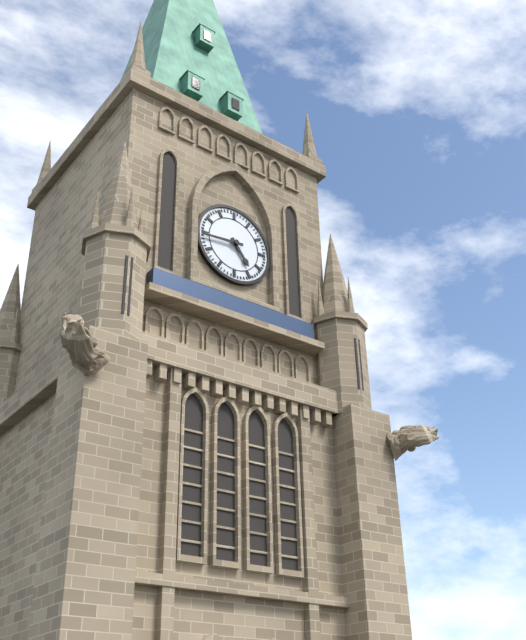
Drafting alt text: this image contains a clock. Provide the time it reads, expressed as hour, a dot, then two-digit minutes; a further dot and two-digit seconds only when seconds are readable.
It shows 4.44
